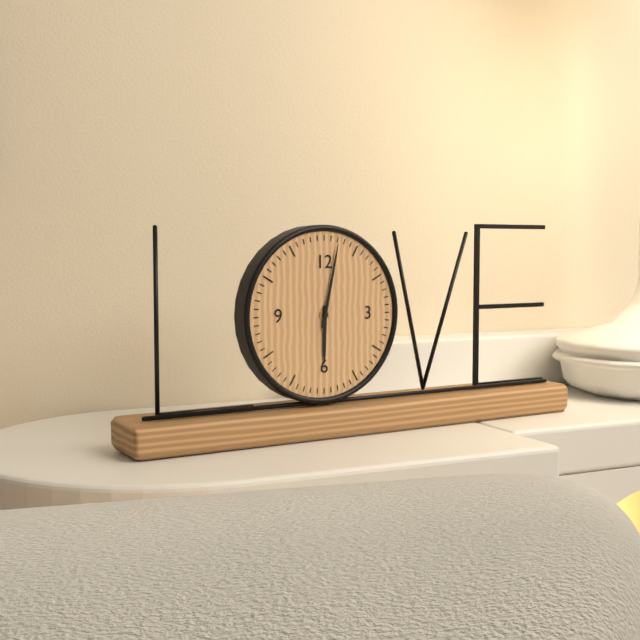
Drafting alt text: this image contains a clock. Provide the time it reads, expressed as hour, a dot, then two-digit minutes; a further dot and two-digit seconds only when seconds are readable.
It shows 6.02
